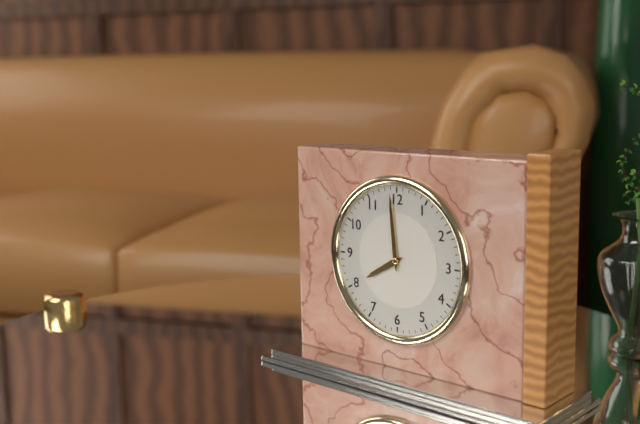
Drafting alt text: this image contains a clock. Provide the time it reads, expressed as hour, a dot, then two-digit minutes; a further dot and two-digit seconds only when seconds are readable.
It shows 7.59
